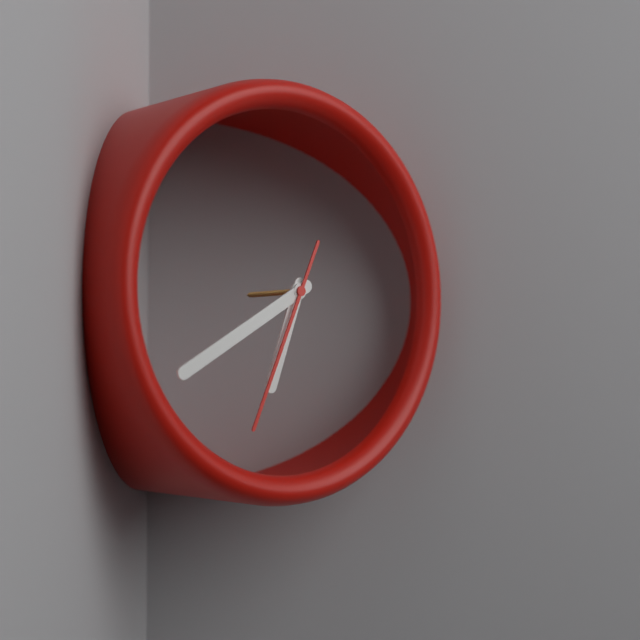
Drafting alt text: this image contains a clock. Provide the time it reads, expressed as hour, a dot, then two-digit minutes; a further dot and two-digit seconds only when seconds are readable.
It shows 6.40.34
